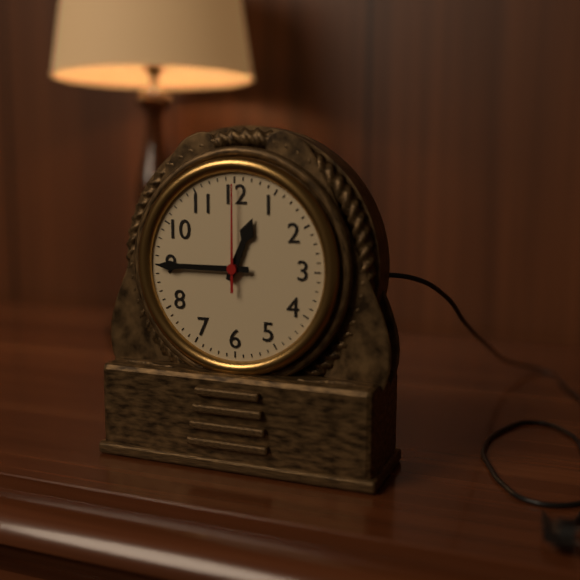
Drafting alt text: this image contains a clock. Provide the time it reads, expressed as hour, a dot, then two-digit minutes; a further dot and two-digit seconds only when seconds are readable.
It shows 12.45.00
